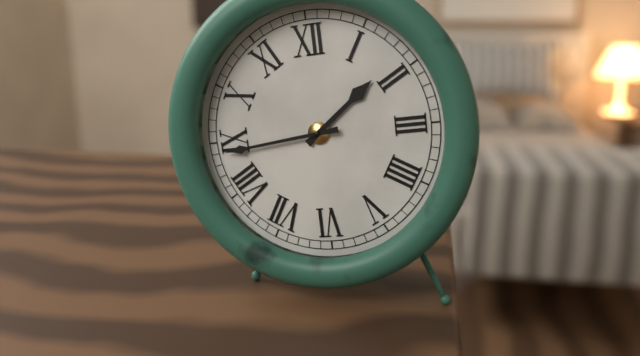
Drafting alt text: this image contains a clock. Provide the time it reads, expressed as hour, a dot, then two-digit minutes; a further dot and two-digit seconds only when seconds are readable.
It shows 1.44
